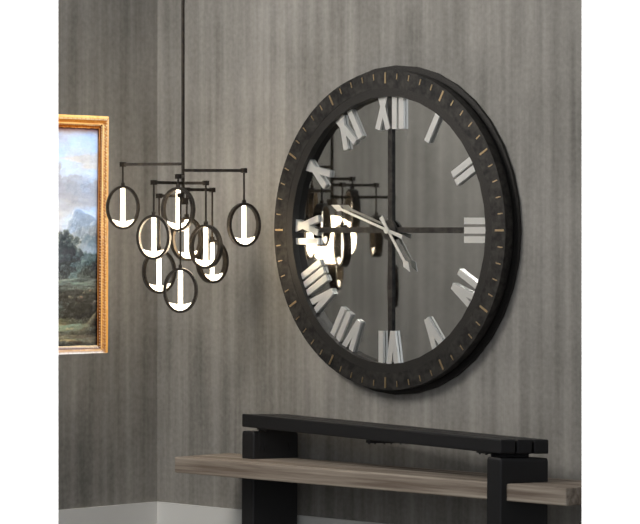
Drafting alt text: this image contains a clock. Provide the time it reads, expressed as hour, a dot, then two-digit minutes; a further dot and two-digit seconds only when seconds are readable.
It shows 4.48
